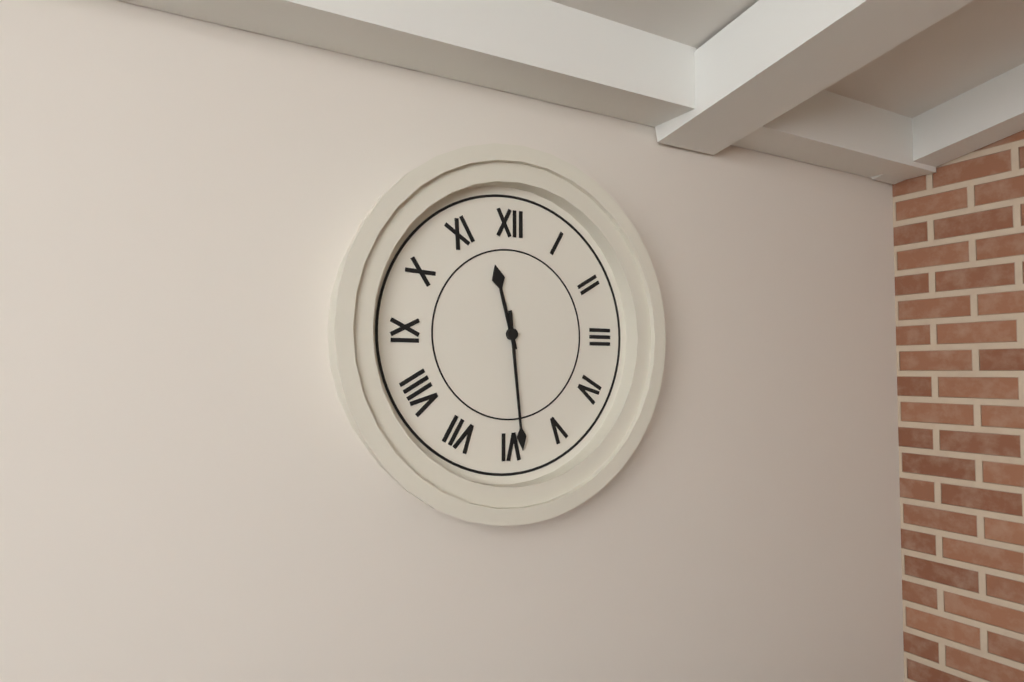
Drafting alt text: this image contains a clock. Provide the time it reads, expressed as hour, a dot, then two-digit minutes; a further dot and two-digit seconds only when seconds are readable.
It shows 11.29
